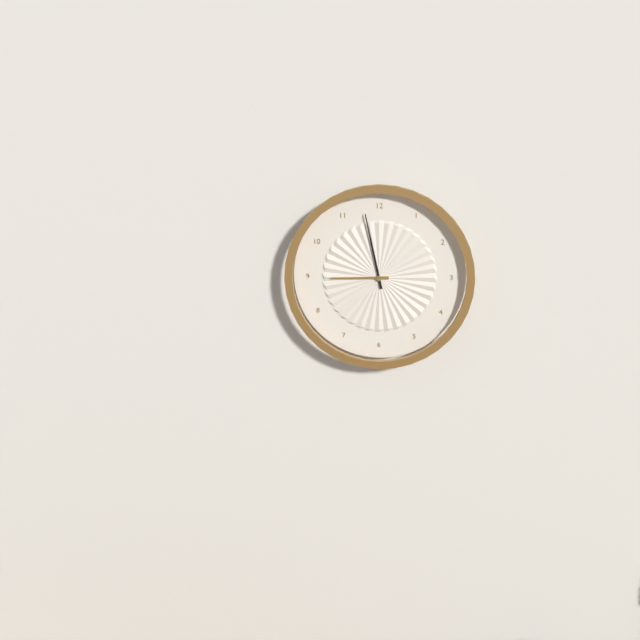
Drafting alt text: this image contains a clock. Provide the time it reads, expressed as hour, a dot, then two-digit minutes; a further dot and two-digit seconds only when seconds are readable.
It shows 8.58
